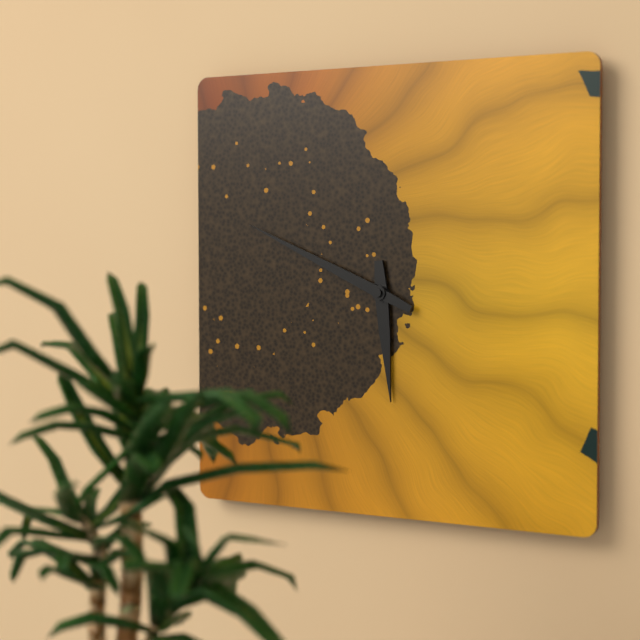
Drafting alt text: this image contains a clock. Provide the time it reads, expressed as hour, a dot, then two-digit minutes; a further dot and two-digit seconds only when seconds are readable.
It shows 5.49
